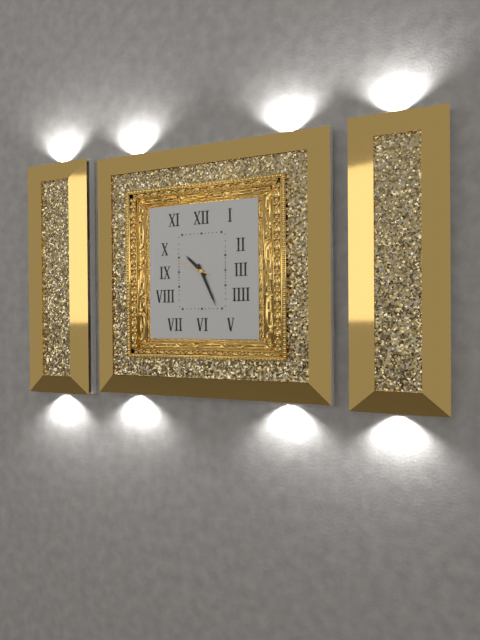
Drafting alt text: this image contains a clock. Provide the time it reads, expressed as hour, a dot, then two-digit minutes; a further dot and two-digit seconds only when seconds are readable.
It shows 10.26
